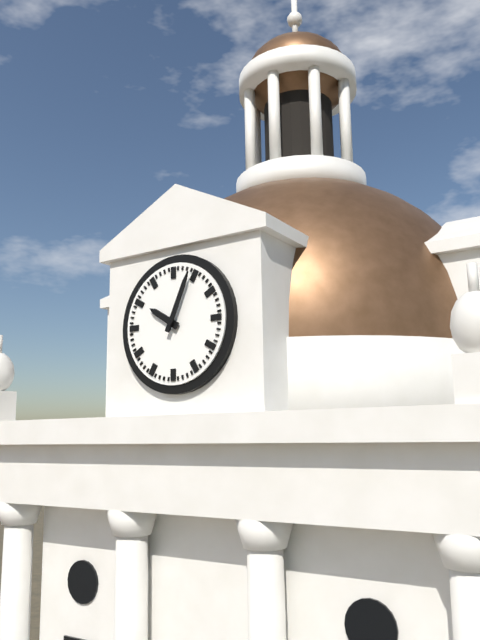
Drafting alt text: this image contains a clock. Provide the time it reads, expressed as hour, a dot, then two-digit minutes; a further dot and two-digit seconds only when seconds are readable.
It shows 10.04
